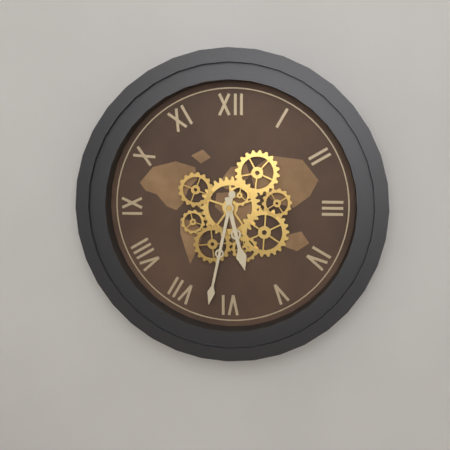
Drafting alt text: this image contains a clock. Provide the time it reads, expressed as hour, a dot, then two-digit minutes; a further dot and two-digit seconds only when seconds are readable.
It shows 5.32
